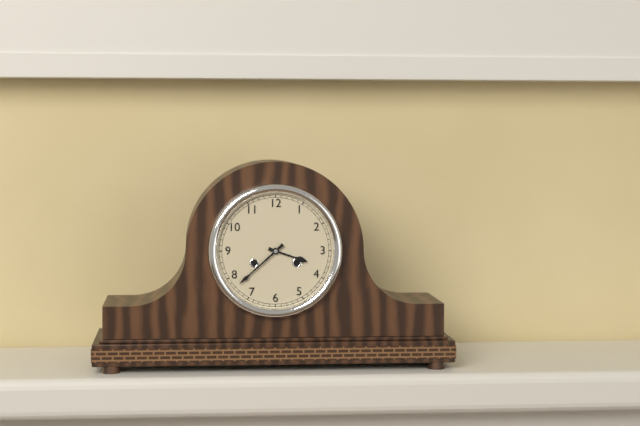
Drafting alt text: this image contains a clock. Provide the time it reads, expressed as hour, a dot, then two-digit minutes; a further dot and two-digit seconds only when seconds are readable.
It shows 3.38
